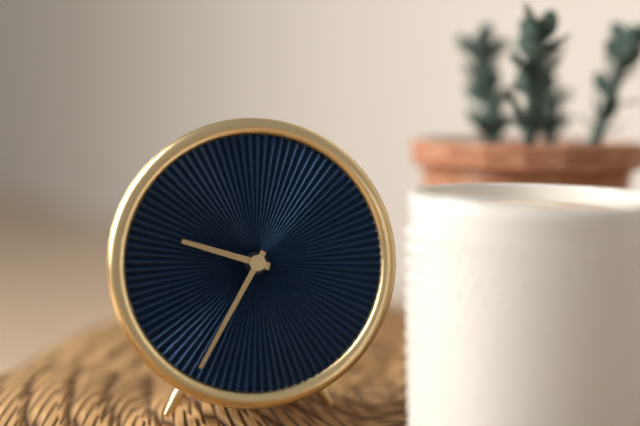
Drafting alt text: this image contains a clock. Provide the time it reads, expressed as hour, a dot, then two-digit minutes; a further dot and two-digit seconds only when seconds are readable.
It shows 9.35
